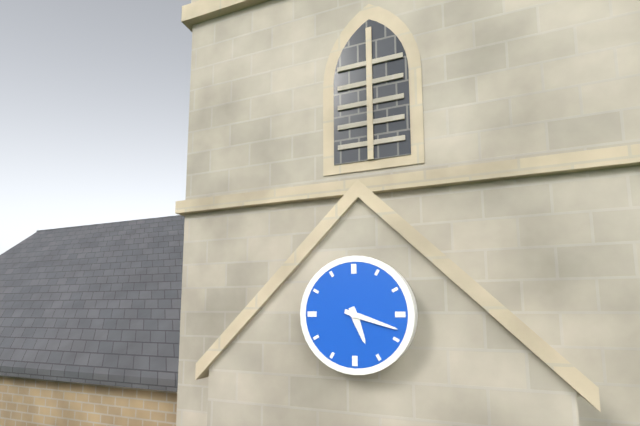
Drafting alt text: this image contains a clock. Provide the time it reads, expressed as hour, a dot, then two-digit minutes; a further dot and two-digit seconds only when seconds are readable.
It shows 5.18
